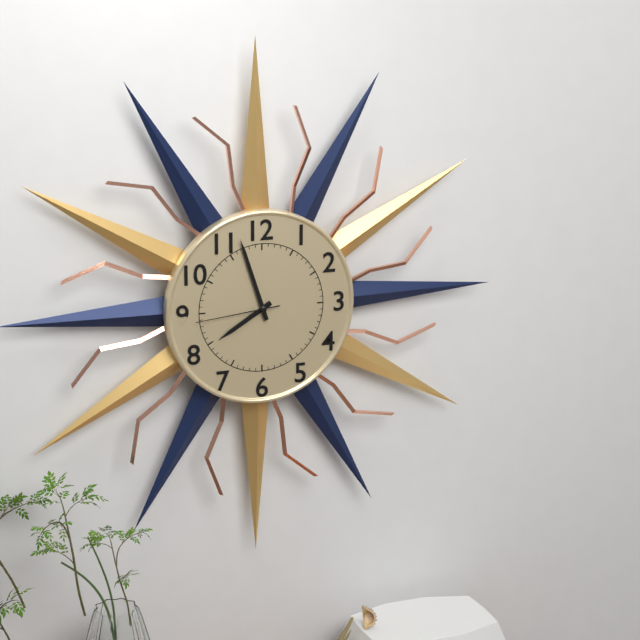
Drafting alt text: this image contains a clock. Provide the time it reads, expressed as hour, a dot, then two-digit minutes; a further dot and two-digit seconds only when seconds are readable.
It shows 7.57.44
